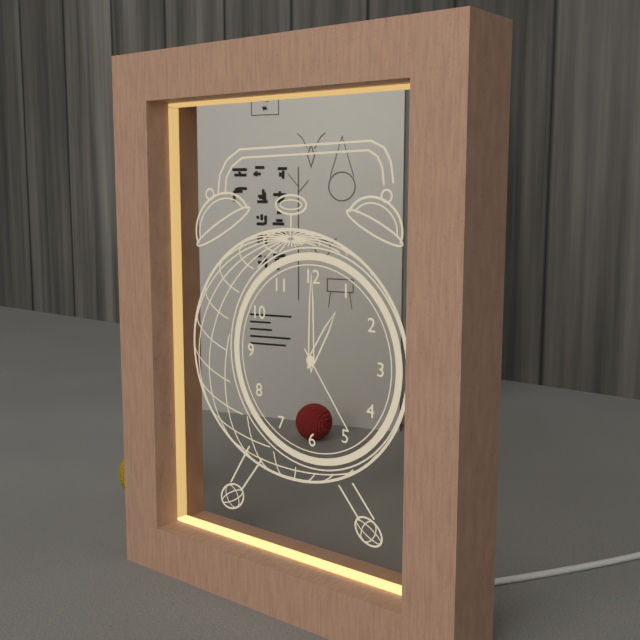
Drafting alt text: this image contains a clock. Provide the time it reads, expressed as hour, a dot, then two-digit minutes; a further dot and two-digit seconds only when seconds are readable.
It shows 1.00.24
